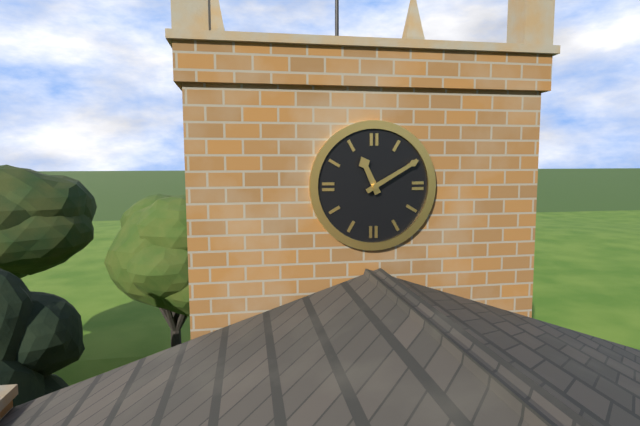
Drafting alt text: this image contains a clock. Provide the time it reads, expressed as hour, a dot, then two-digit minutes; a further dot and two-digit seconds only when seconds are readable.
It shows 11.10
